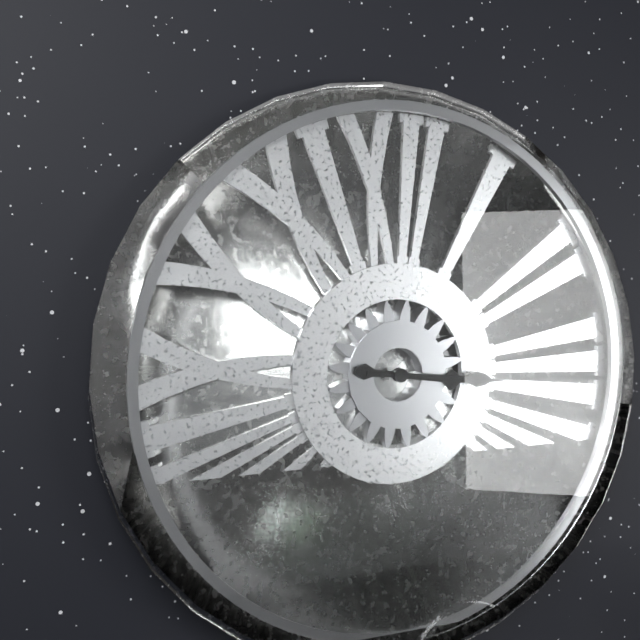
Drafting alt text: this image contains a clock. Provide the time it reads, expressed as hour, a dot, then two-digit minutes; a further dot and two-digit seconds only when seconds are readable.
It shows 3.16
